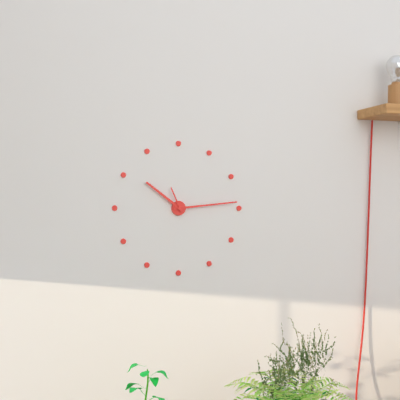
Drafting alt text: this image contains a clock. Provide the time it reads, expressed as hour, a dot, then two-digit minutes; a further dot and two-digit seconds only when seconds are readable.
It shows 10.14
